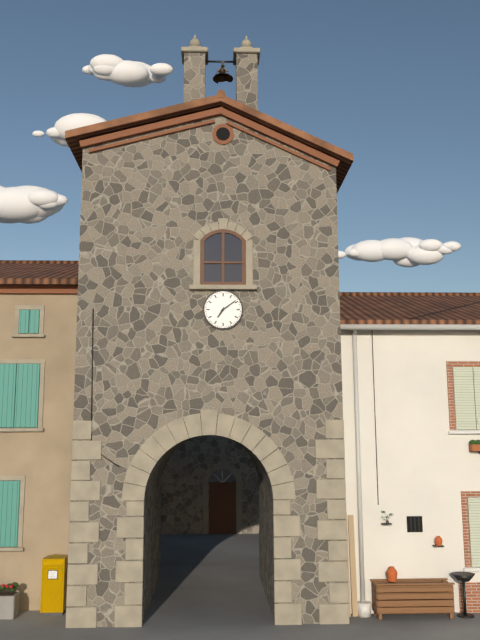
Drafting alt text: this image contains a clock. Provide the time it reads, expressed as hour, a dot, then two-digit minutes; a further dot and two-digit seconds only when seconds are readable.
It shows 7.09
